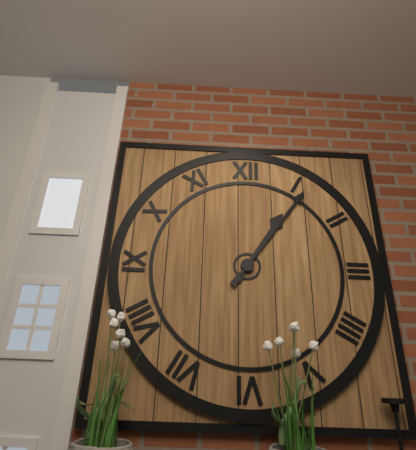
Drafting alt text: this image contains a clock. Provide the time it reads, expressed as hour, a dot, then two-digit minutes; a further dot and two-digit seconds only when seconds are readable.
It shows 1.06
